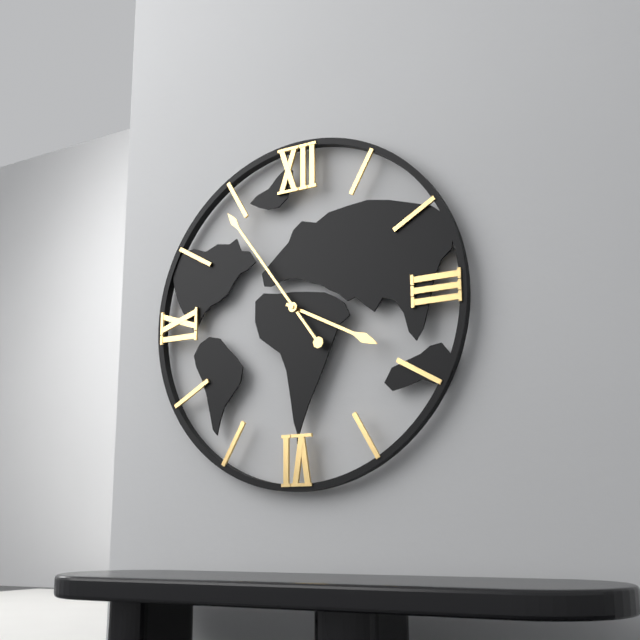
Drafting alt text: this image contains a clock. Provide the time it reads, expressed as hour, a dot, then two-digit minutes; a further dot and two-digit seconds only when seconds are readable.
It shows 3.54
